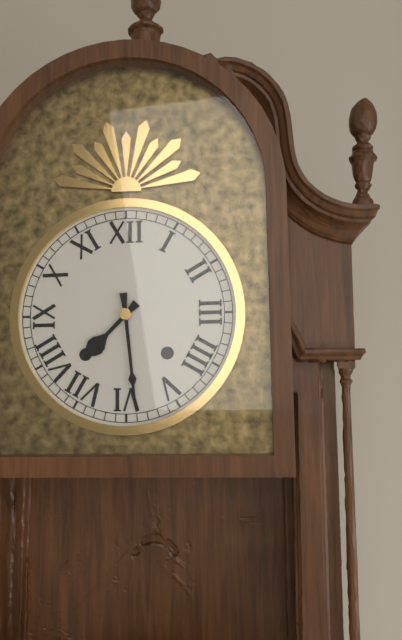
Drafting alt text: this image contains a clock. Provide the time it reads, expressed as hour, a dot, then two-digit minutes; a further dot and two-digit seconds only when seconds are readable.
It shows 7.29
